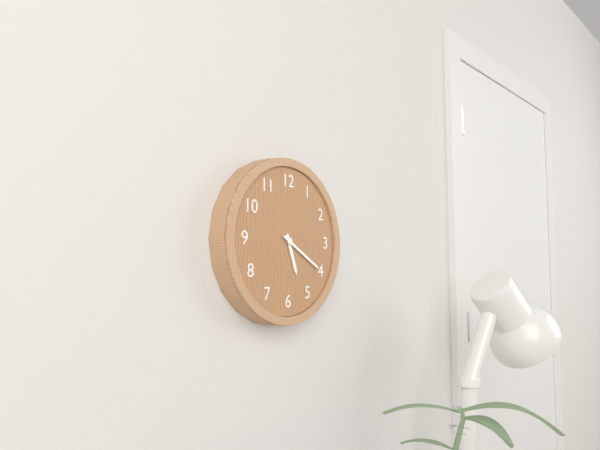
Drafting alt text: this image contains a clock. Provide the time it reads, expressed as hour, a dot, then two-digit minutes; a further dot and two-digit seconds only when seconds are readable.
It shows 5.20
